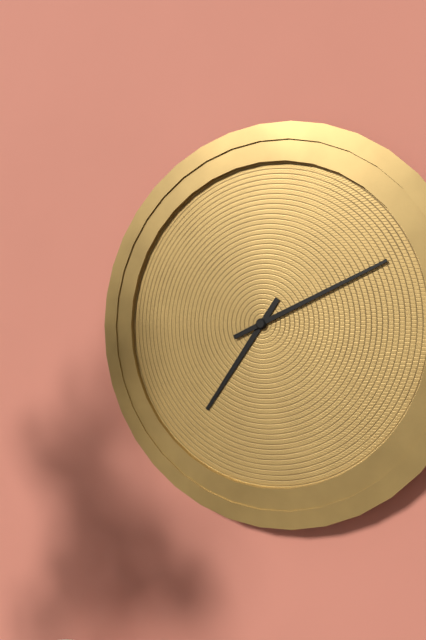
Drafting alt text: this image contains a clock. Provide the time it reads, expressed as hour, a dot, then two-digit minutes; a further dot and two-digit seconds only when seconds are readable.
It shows 7.11
